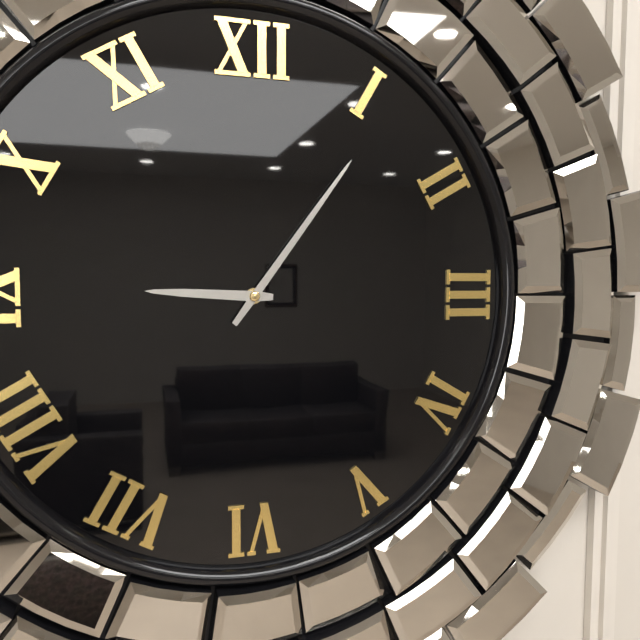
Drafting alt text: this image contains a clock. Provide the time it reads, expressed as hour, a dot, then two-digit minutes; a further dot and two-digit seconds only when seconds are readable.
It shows 9.06
